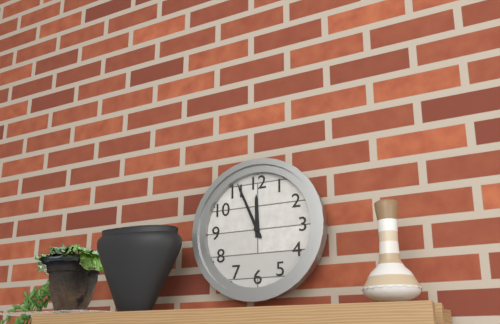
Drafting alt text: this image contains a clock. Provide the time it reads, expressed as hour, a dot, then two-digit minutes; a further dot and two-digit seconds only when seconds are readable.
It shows 11.56
